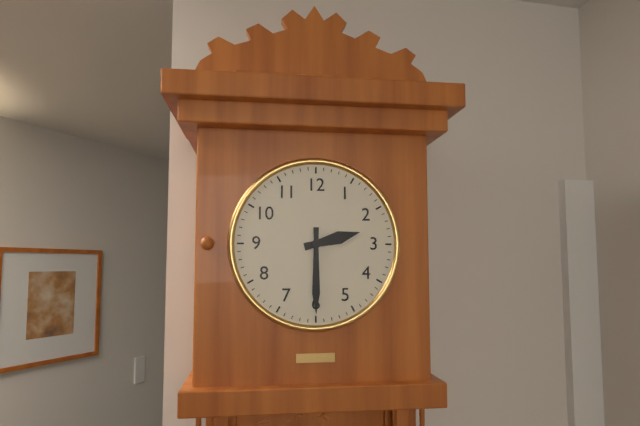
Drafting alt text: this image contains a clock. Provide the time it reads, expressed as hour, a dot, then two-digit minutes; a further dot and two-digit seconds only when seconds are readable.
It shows 2.30
